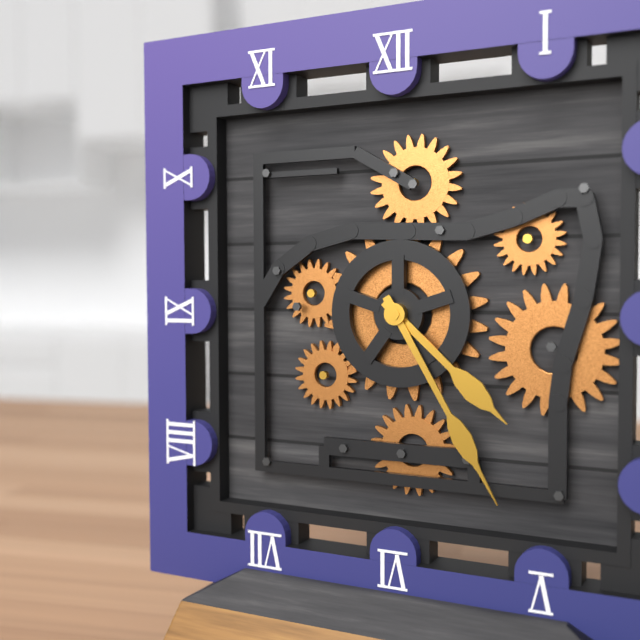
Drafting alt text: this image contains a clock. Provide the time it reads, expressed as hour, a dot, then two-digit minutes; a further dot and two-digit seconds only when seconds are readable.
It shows 4.25
